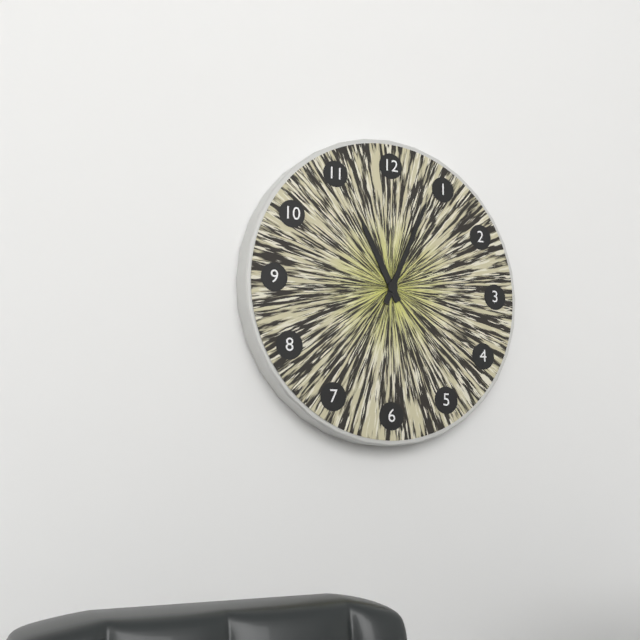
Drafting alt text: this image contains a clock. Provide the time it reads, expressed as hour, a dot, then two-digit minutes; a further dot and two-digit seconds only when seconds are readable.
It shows 11.04
